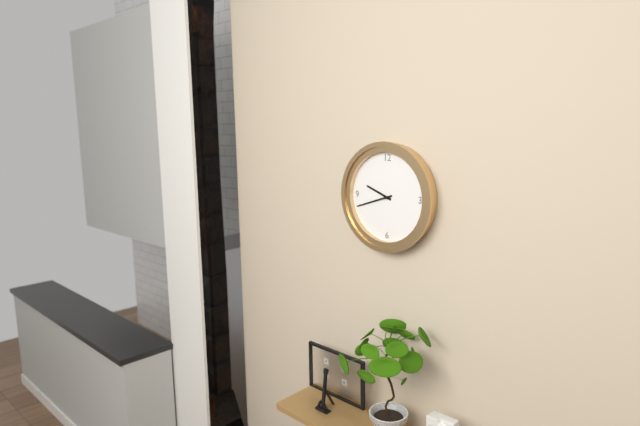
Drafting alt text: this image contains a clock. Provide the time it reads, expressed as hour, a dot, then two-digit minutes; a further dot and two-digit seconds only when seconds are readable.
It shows 9.42
